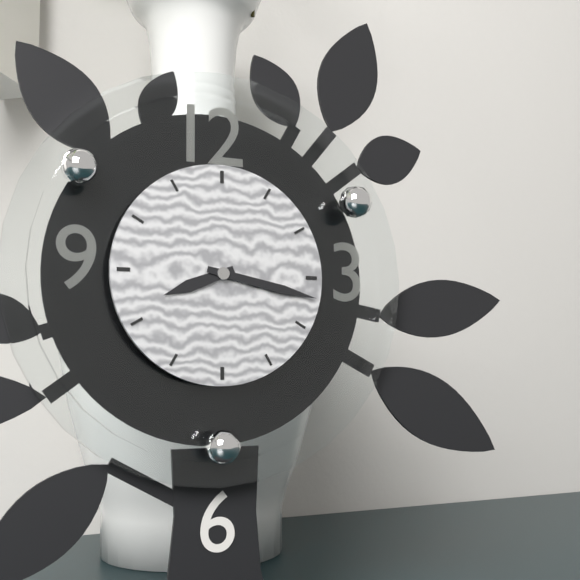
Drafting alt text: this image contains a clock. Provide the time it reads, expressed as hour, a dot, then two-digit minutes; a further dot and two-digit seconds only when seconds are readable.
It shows 8.17
